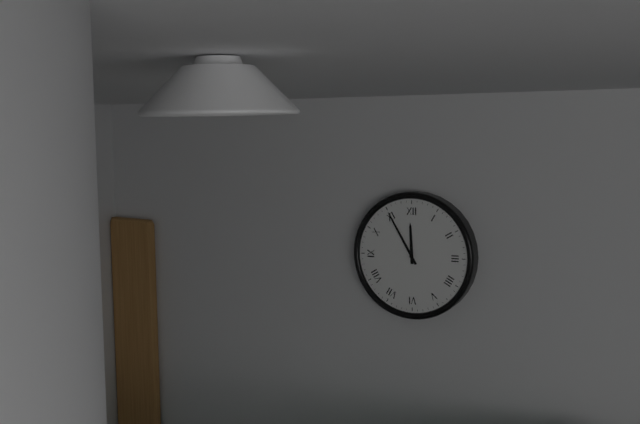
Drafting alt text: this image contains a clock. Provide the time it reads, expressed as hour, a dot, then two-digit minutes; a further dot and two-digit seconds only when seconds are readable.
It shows 11.55
